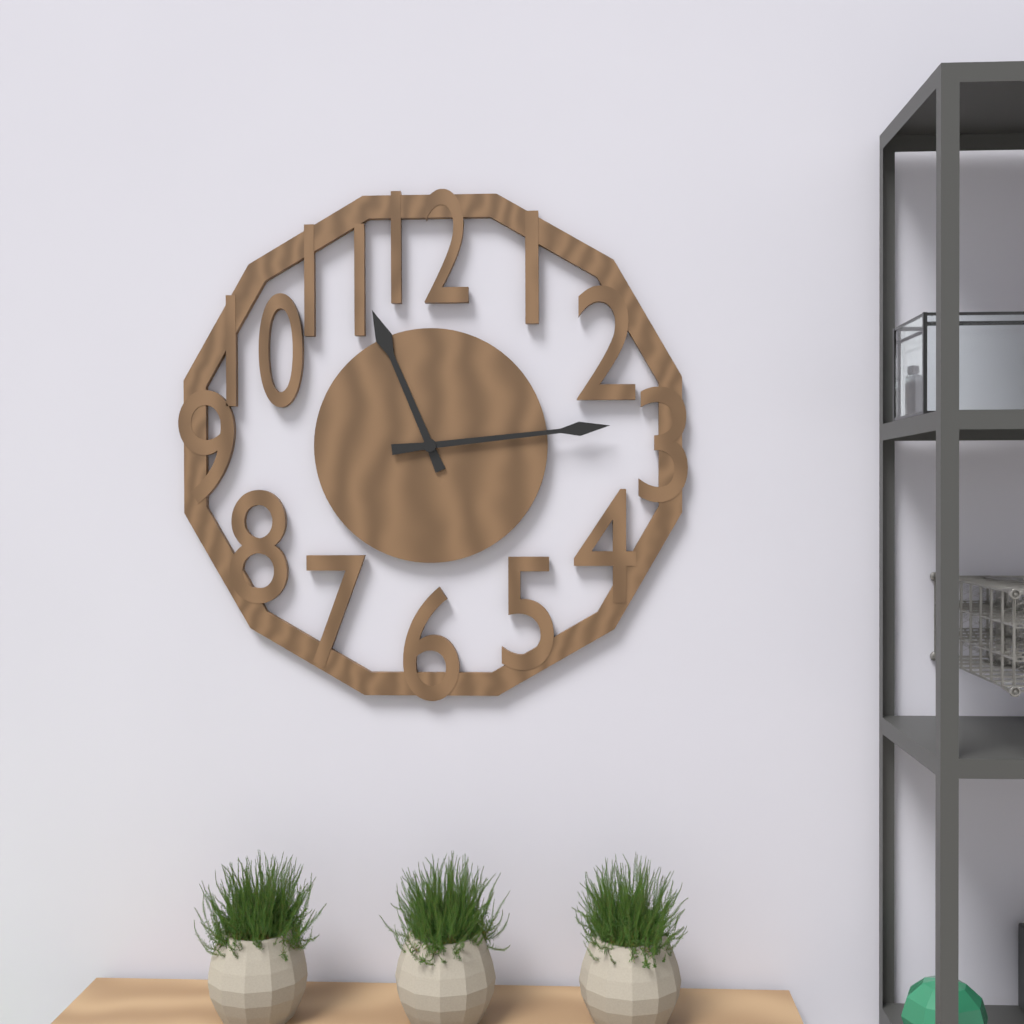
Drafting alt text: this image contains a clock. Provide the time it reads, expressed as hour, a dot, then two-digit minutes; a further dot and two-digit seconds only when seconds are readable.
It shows 11.14
